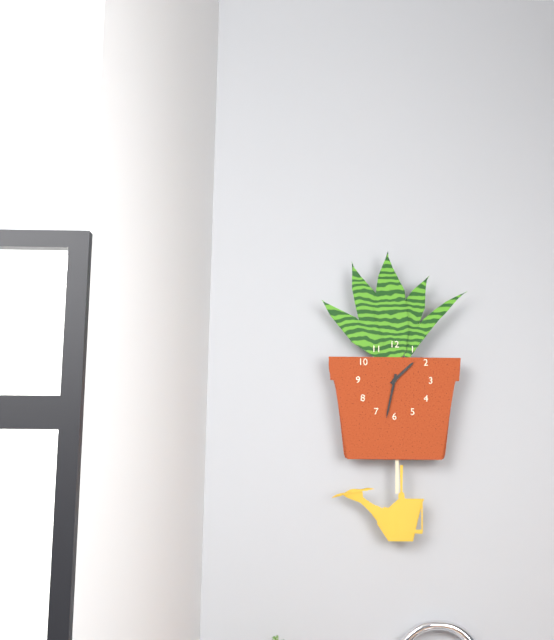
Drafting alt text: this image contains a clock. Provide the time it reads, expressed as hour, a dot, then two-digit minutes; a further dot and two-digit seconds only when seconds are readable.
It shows 1.32
